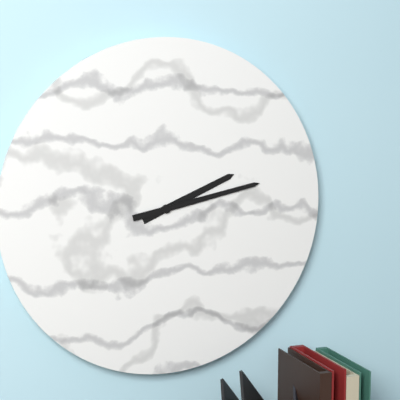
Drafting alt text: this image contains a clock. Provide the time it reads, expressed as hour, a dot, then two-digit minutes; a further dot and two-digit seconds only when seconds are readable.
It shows 2.13
